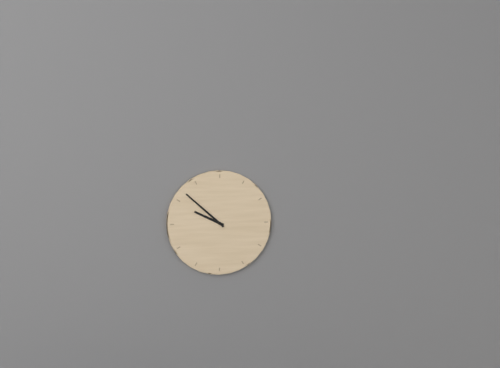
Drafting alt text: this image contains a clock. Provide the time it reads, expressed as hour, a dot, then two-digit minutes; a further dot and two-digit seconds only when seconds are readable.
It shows 9.52
